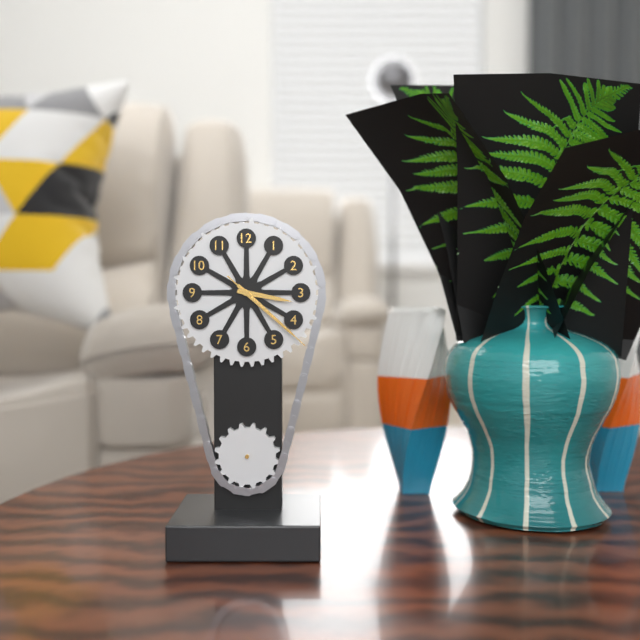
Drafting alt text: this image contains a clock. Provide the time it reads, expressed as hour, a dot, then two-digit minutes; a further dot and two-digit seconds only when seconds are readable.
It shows 3.22.22
